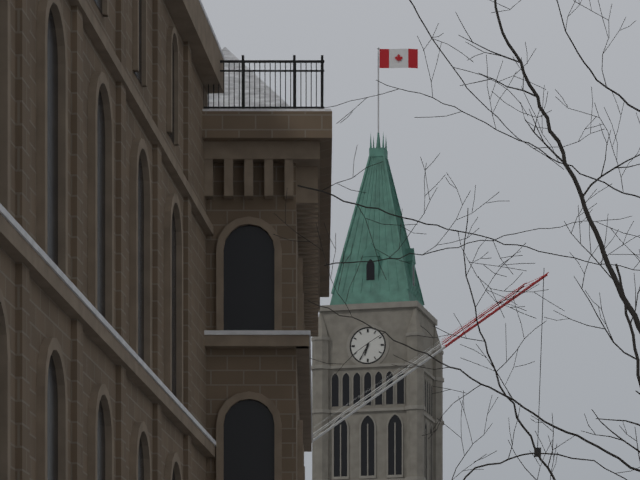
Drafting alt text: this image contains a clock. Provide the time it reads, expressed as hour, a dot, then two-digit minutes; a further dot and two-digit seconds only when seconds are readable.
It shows 6.35
